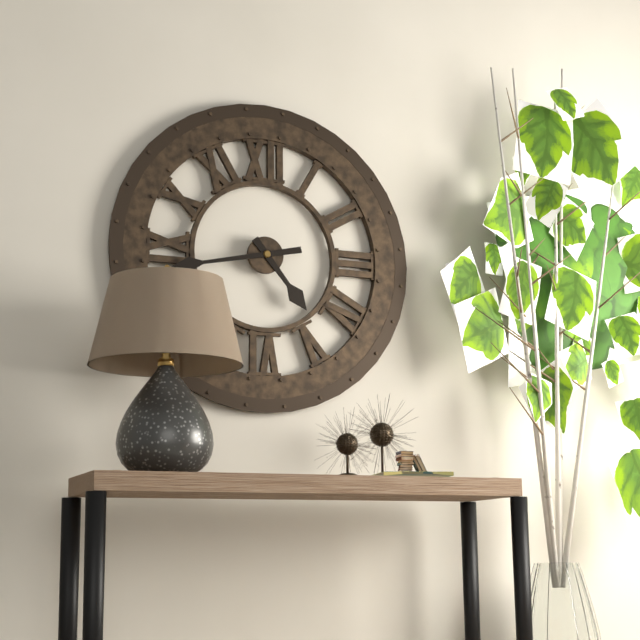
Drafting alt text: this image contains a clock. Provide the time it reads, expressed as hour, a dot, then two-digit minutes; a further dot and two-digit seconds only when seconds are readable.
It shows 4.43
